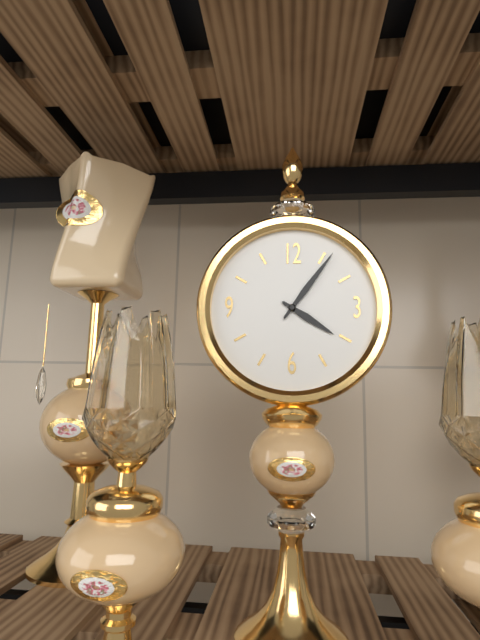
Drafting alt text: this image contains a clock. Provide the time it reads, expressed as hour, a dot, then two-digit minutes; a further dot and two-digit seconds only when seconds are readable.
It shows 4.06
